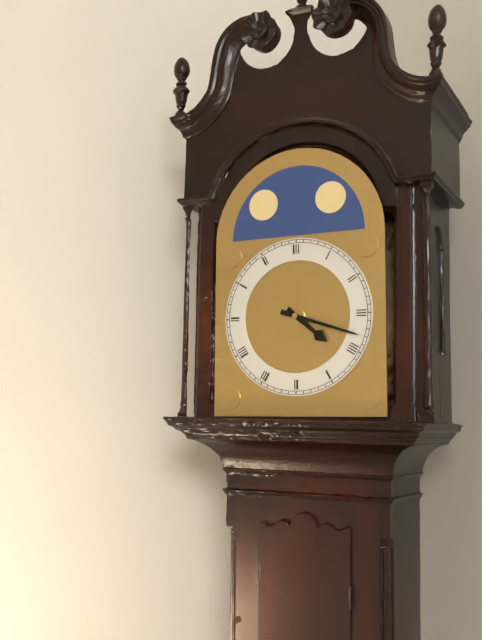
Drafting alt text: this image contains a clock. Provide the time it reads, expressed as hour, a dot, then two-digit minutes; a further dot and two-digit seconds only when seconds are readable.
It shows 4.18
